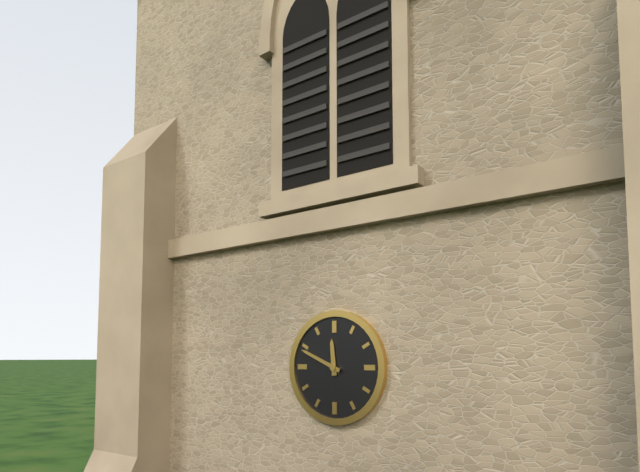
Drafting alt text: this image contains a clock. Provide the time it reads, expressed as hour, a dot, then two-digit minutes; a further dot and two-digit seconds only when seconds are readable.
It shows 11.49
